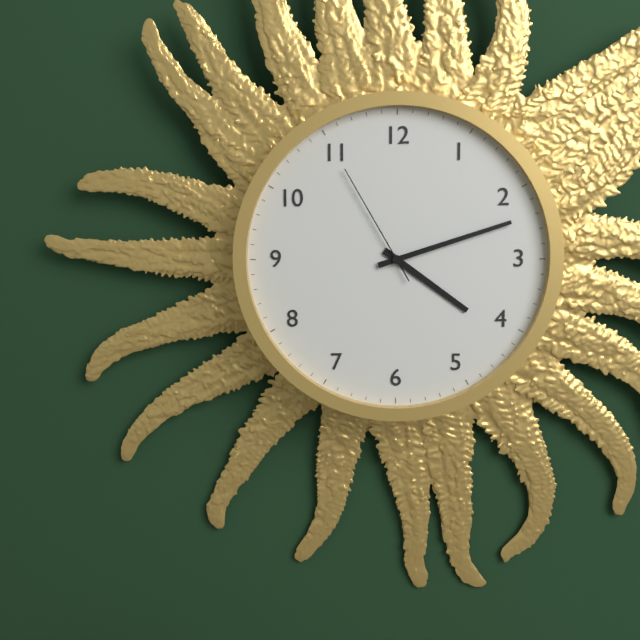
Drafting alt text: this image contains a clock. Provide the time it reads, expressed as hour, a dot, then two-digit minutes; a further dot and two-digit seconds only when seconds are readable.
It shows 4.12.55
